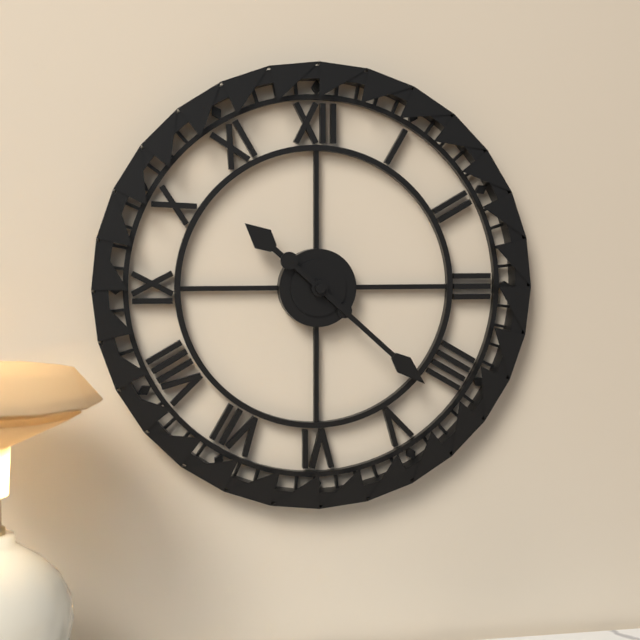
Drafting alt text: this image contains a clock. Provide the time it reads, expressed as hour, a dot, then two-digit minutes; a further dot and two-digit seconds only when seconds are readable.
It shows 10.22
